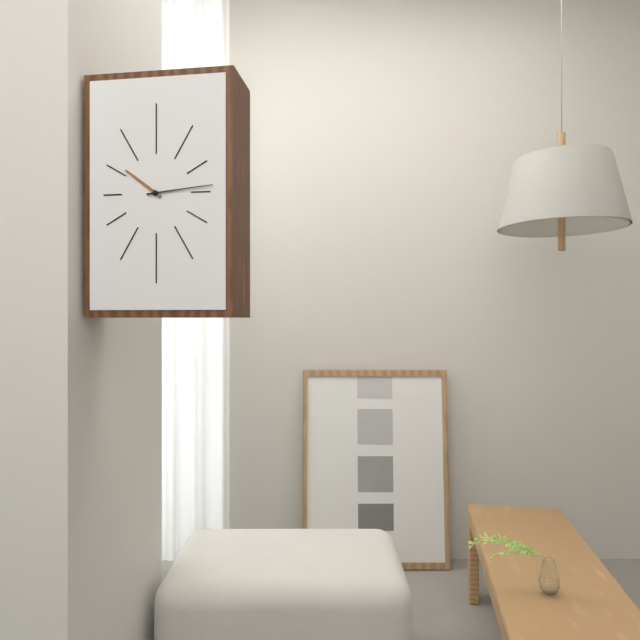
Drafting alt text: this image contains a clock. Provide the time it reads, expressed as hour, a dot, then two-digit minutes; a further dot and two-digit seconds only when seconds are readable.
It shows 10.14
